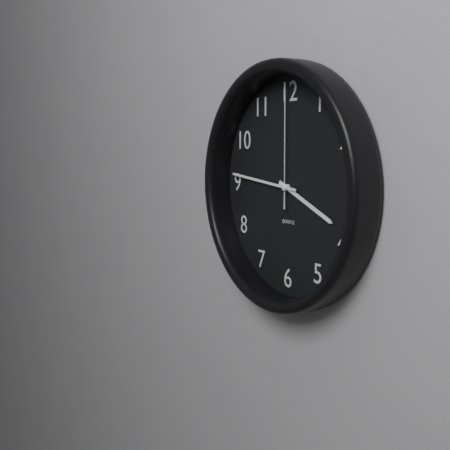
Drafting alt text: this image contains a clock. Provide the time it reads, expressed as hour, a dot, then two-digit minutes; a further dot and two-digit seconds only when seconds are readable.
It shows 3.46.00
